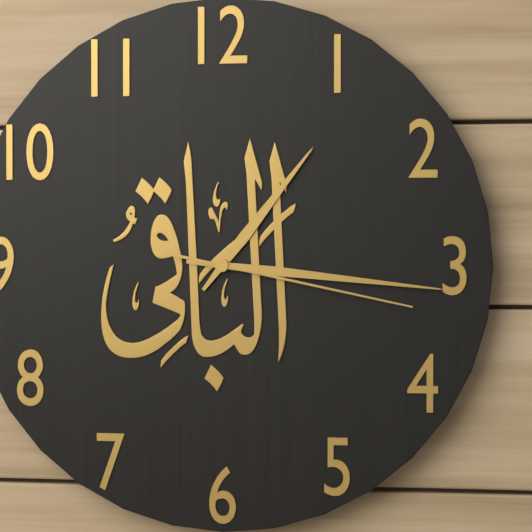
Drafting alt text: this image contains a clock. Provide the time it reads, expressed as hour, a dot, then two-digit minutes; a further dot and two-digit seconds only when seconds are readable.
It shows 1.16.17
